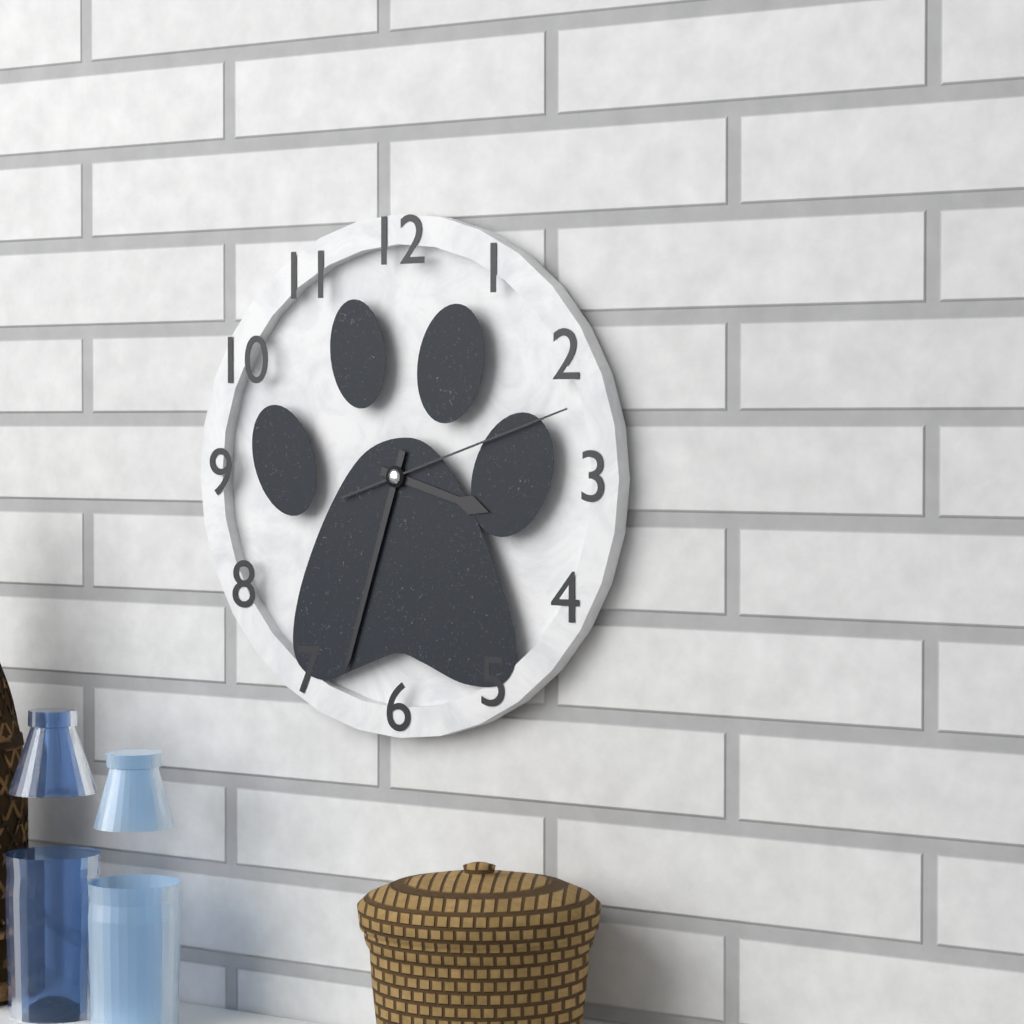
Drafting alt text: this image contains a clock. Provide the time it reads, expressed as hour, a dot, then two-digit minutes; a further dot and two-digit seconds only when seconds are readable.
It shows 3.33.12
